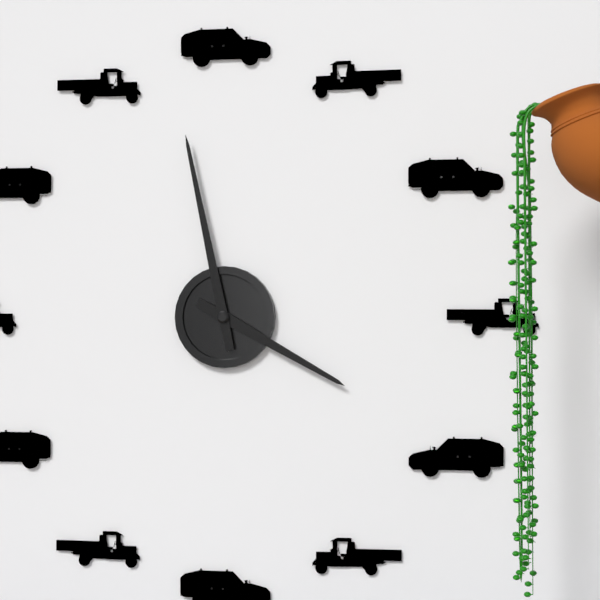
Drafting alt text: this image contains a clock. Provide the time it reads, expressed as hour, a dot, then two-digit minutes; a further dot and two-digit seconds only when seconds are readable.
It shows 3.58
